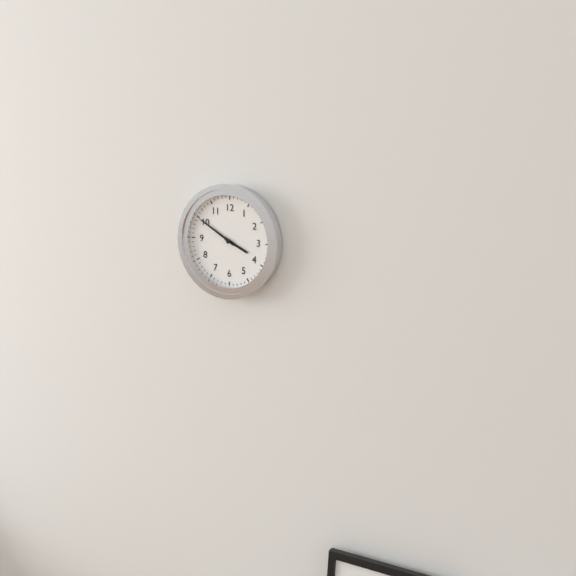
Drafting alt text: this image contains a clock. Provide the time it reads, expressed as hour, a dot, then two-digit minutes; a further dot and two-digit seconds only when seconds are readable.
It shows 3.50
